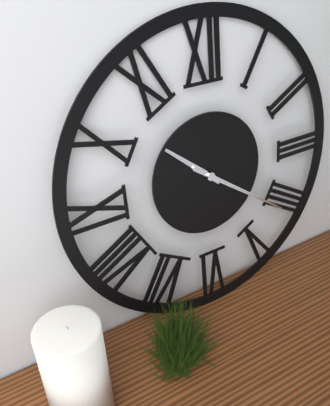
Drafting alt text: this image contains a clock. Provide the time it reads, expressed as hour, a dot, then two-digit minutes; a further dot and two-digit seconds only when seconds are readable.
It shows 10.21
